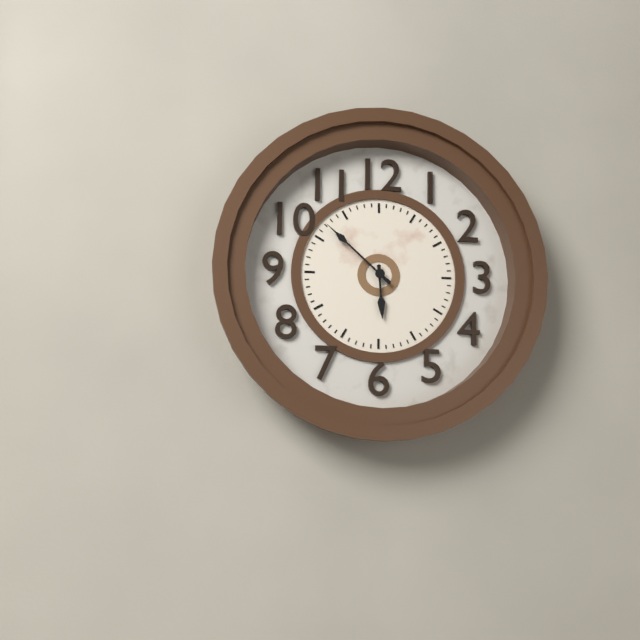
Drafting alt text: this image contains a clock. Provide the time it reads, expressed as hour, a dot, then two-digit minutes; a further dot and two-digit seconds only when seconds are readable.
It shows 5.52
